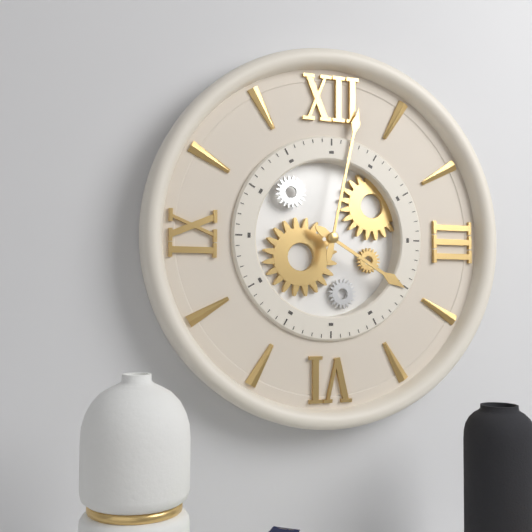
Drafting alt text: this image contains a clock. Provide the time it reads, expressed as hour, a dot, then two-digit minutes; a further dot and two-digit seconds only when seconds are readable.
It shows 4.02
